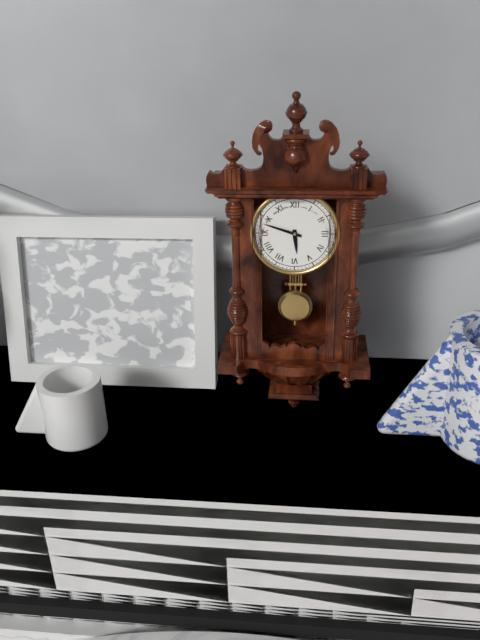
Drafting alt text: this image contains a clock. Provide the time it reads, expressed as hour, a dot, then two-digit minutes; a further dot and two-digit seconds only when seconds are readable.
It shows 5.48
